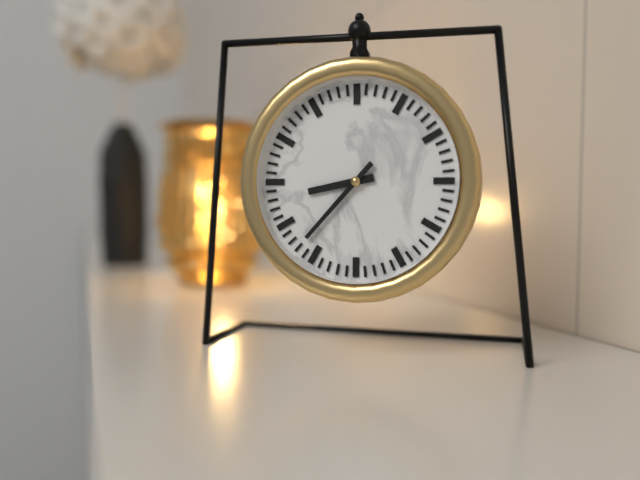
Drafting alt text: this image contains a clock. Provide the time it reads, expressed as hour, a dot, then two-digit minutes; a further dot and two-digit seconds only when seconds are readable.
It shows 8.37
